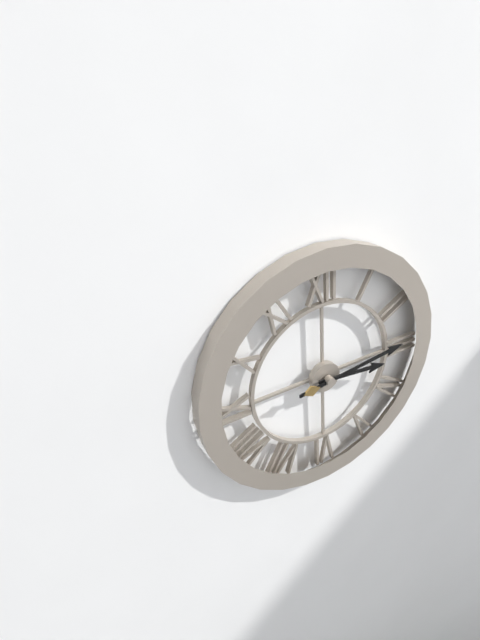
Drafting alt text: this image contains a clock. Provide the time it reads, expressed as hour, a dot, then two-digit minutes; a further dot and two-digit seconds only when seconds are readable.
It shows 3.14
